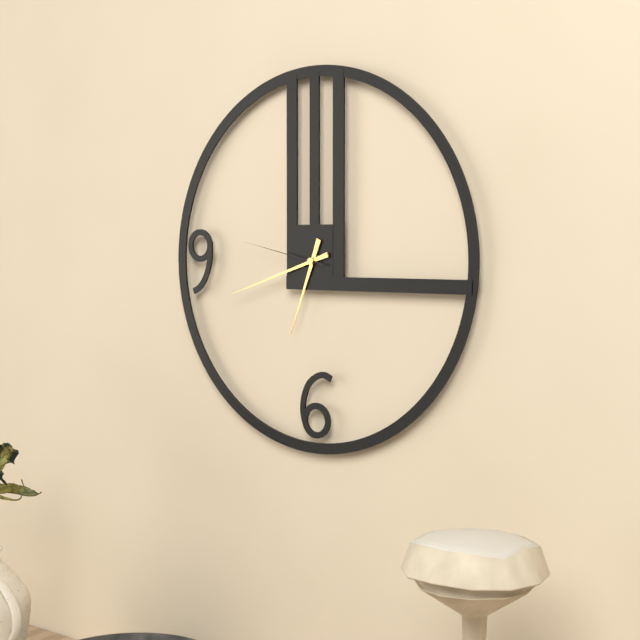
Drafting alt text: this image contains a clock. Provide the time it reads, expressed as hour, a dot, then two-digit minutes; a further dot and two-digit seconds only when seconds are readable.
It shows 6.42.47
